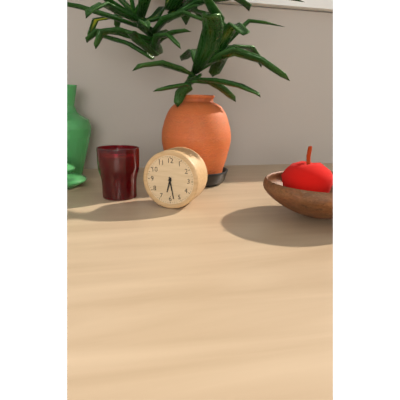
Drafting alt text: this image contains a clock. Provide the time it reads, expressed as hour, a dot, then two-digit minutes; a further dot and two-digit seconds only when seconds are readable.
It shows 6.28
